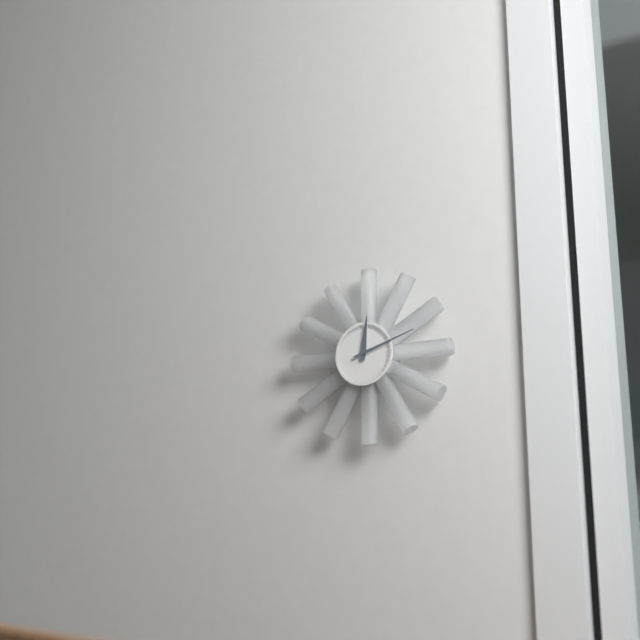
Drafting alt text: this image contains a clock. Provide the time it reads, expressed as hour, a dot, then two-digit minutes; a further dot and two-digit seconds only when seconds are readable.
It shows 12.12
